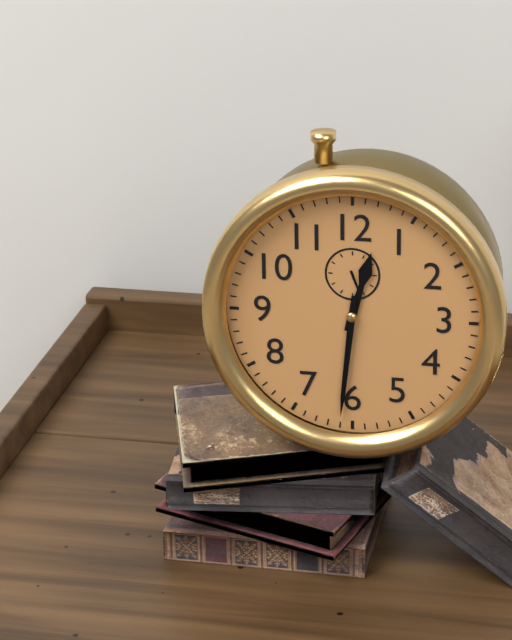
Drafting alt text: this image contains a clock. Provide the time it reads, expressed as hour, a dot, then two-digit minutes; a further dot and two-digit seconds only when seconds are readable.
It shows 12.31
